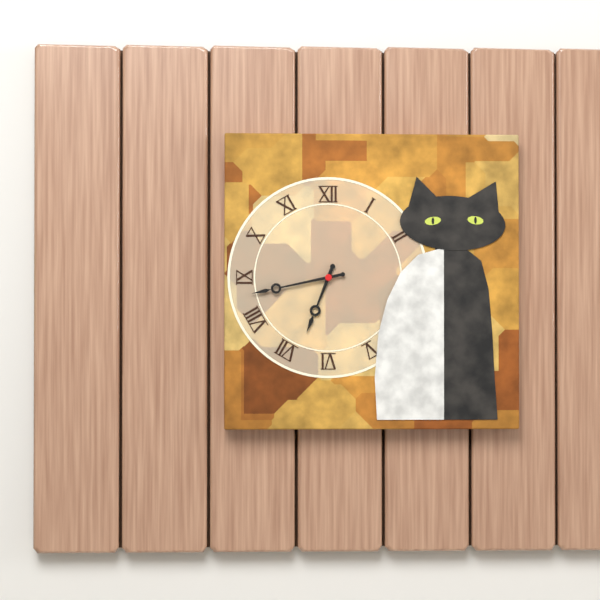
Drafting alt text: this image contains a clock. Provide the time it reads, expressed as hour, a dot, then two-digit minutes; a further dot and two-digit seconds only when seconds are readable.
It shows 6.43
